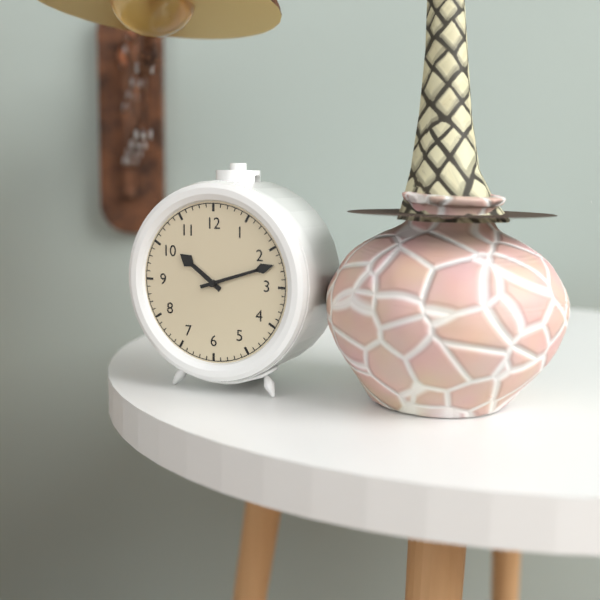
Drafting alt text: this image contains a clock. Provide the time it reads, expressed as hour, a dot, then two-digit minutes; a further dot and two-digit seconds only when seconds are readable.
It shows 10.12
